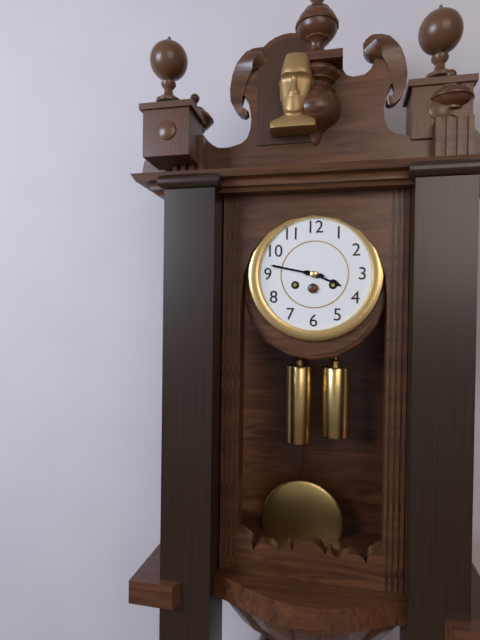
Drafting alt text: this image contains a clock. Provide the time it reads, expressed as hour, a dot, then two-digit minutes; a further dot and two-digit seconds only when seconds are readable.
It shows 3.47
